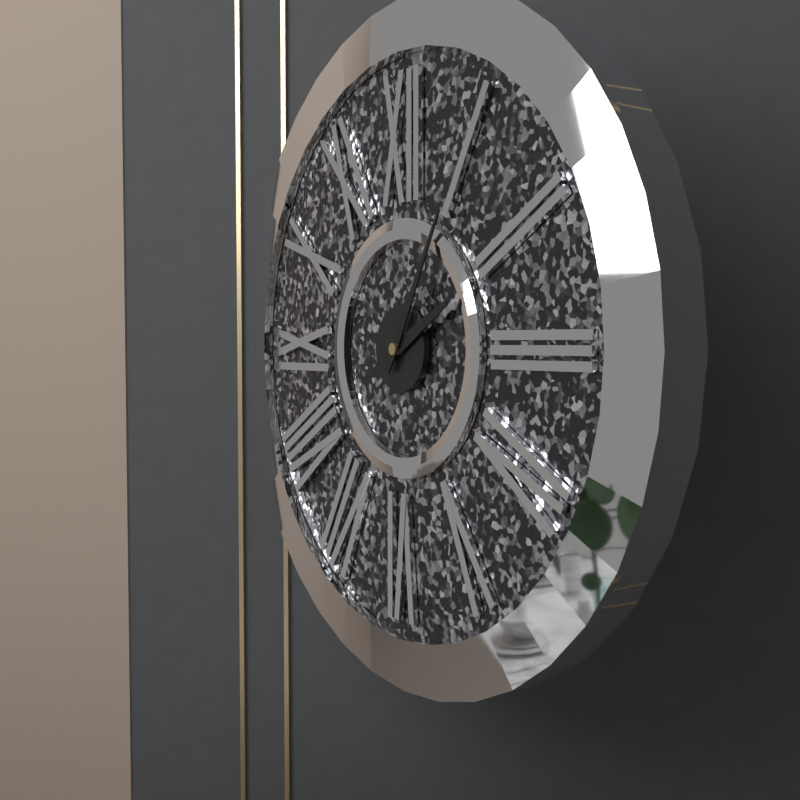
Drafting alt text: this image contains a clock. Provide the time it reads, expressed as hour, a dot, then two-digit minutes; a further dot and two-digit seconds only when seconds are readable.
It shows 2.05
